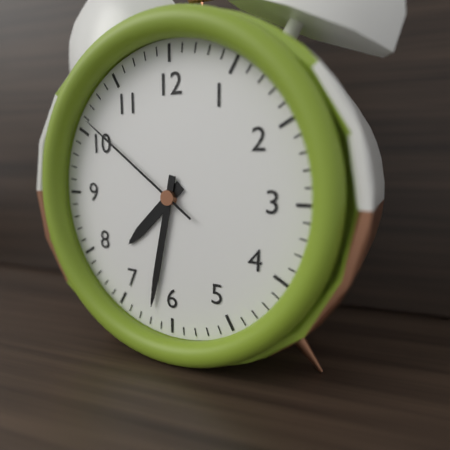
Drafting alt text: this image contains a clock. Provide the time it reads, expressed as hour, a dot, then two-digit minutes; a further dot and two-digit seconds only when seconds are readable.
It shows 7.32.51
